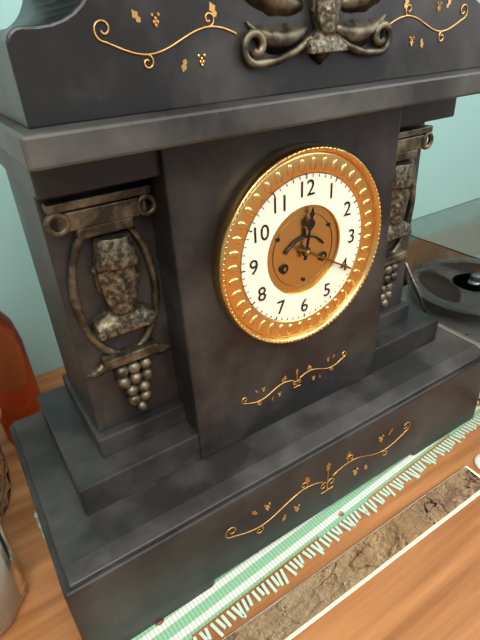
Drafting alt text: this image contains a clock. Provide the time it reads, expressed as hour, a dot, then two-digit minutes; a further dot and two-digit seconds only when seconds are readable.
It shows 12.20
